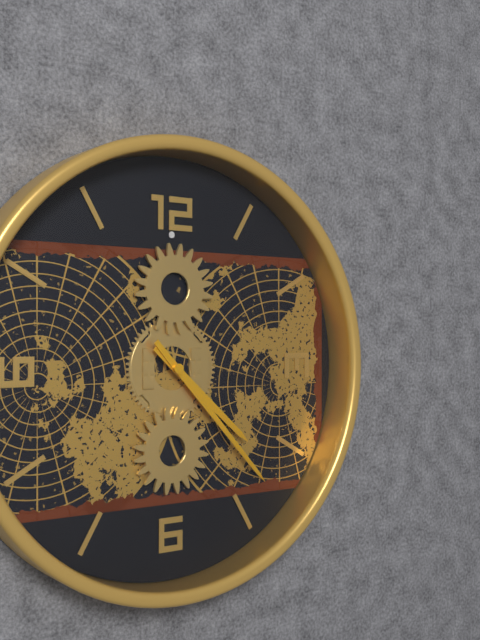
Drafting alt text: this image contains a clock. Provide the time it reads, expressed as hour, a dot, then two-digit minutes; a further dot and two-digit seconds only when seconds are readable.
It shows 4.23
